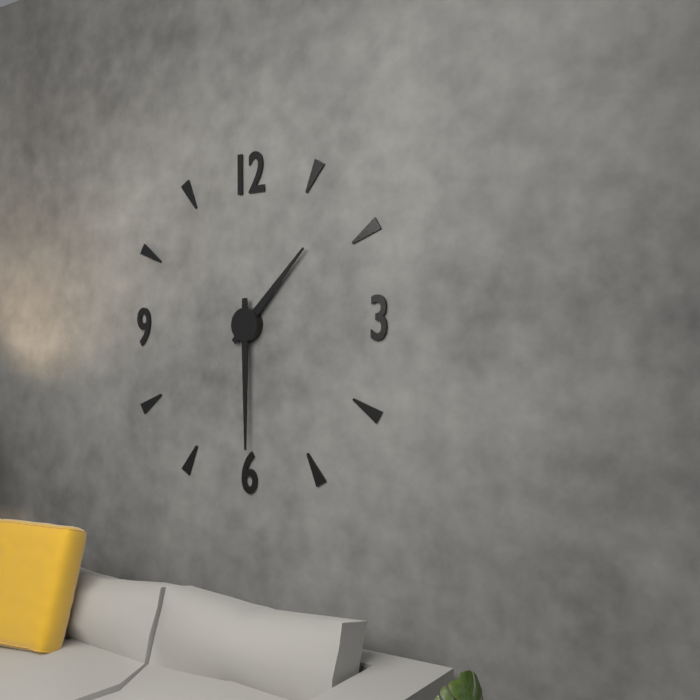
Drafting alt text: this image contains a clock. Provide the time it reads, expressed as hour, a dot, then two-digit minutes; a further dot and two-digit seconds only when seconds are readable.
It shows 1.30
